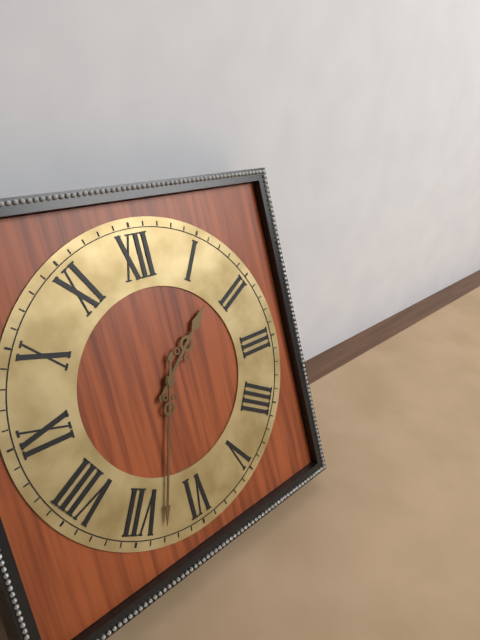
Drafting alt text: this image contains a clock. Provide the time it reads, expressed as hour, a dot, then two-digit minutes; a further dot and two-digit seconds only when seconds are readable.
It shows 1.33
